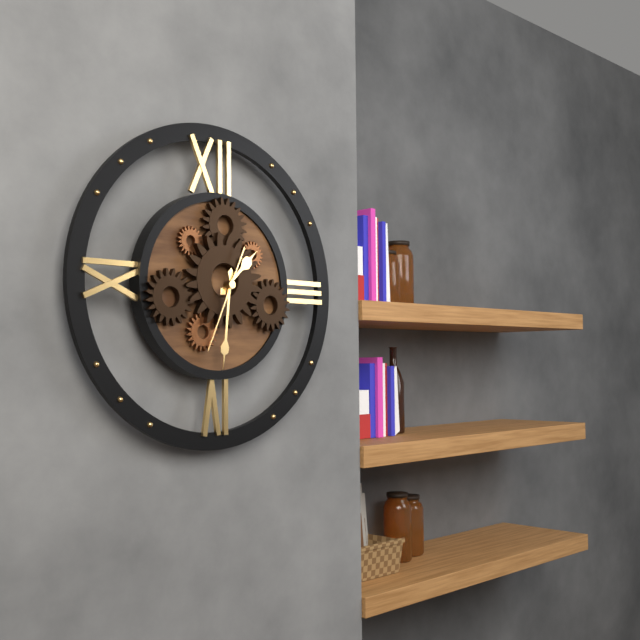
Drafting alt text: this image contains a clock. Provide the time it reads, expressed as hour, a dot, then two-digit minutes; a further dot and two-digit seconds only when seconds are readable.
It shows 1.31.34
